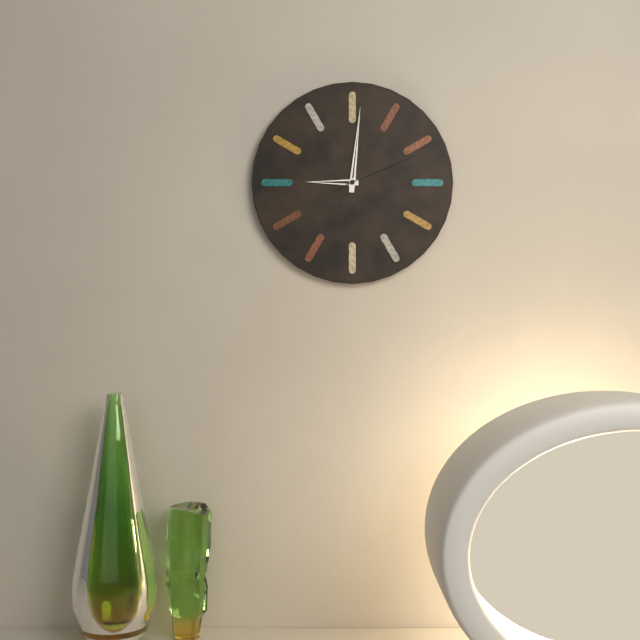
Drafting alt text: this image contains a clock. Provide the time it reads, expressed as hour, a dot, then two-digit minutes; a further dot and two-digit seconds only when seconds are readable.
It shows 9.01.11
